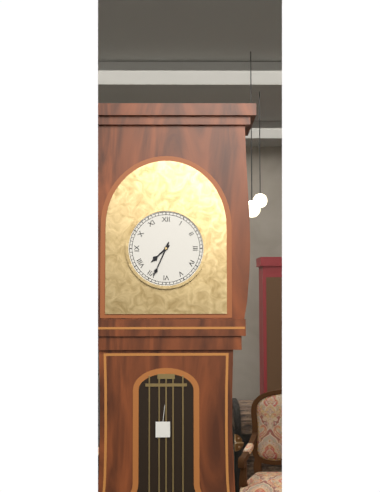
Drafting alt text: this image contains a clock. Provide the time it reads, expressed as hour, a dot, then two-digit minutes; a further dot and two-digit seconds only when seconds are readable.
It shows 7.34
